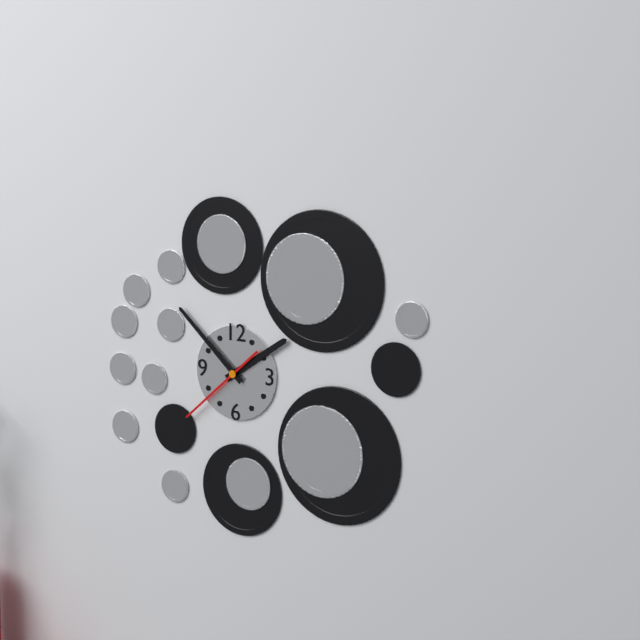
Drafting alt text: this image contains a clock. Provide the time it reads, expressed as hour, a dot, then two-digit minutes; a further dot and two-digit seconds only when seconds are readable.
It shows 1.52.38
